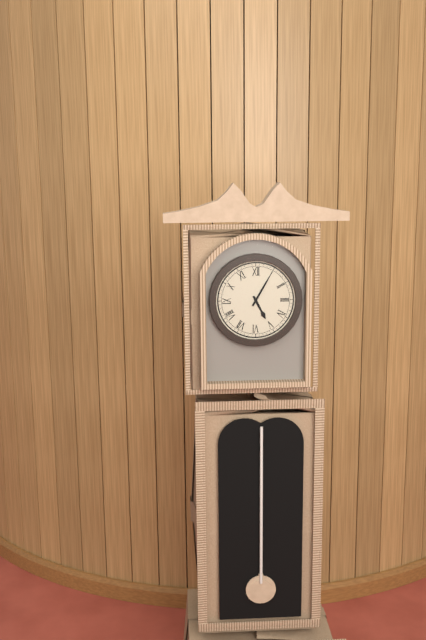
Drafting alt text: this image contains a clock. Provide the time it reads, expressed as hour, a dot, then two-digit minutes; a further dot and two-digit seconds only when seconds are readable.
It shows 5.05
